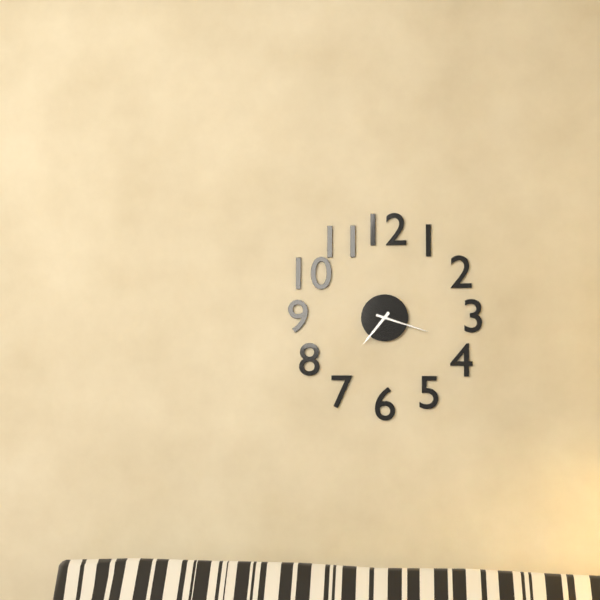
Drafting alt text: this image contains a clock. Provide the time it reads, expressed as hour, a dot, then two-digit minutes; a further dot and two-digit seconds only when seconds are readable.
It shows 7.18
